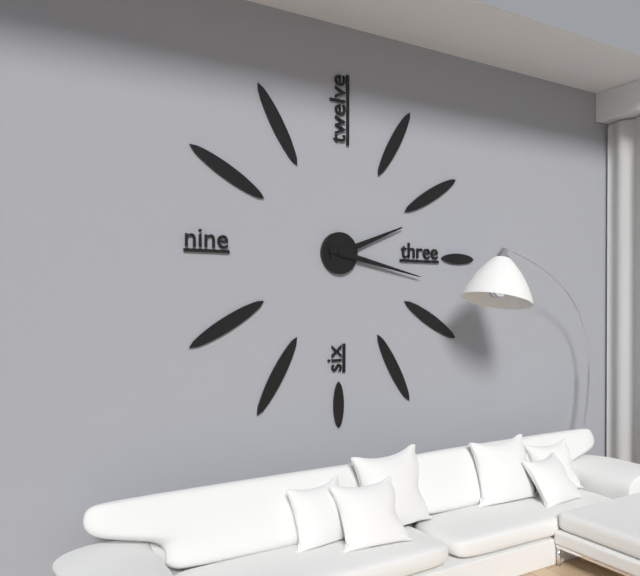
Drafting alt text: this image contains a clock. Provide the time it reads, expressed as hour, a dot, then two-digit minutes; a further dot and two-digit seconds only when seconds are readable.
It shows 2.17
